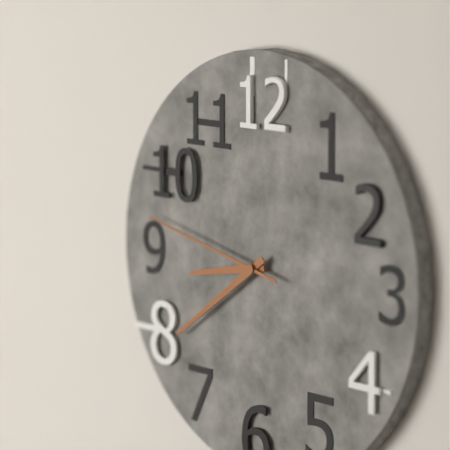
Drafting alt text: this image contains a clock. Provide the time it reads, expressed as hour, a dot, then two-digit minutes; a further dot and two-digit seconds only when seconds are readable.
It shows 8.39.47
